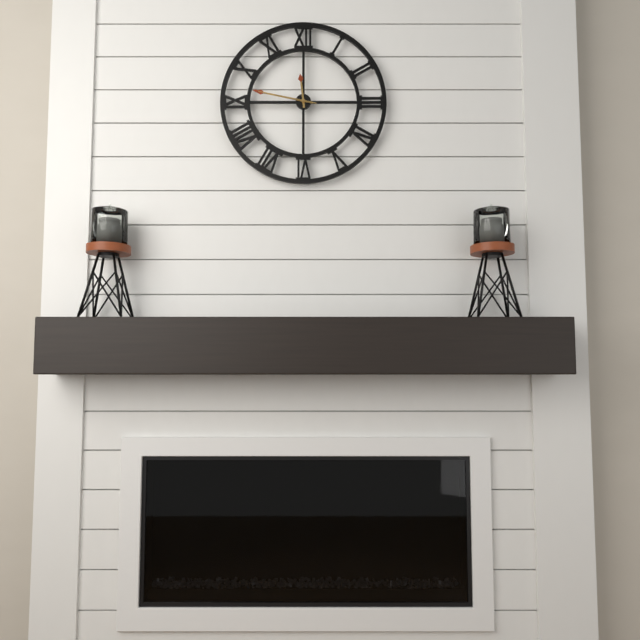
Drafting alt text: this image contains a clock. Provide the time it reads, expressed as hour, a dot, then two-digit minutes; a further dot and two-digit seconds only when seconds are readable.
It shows 11.47.47
